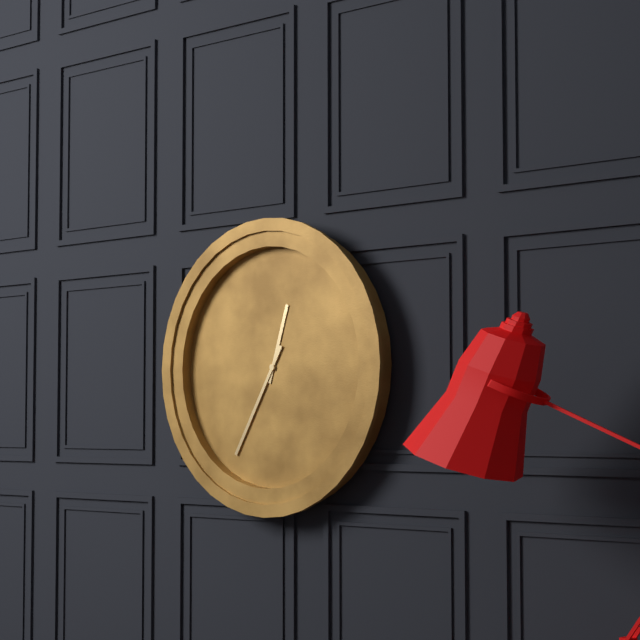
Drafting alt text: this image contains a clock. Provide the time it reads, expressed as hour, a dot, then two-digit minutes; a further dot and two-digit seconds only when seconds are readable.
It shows 12.35
